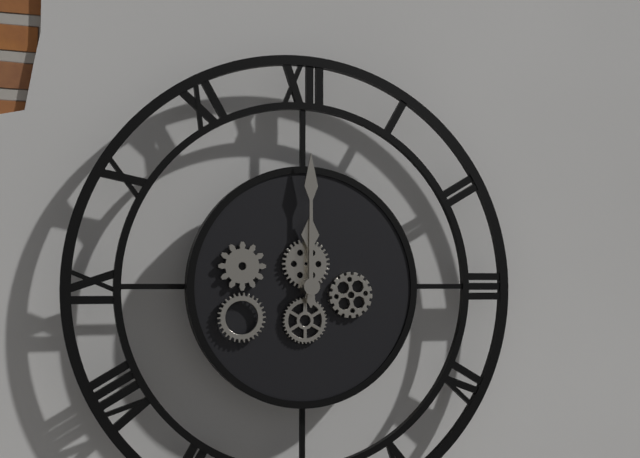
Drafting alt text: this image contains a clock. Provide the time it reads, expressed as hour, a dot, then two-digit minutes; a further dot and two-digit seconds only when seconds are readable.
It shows 12.00
